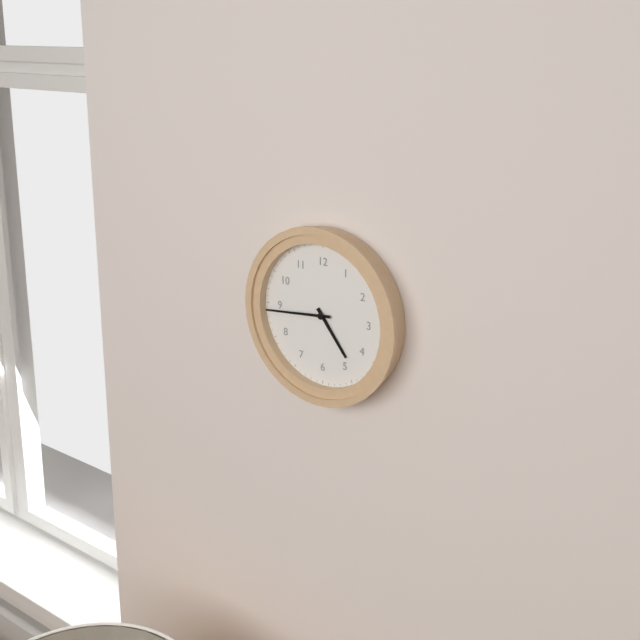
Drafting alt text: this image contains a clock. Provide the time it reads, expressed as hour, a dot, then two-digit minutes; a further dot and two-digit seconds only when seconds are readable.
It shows 4.44
